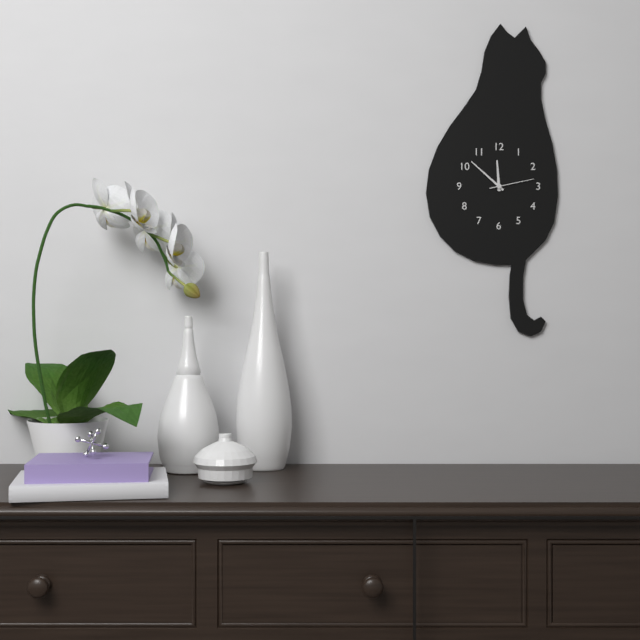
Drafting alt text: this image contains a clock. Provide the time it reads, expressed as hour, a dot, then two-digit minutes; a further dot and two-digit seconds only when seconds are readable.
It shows 11.52
